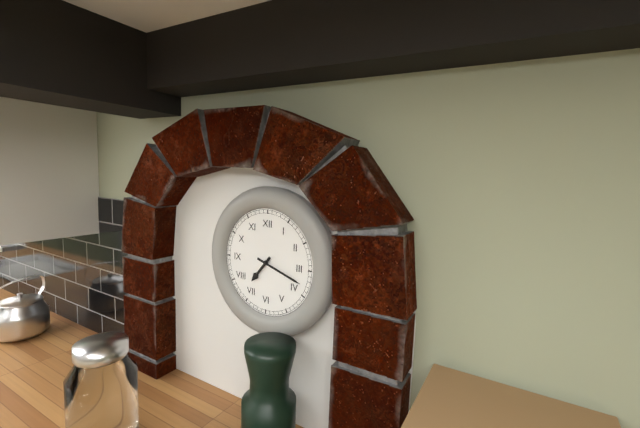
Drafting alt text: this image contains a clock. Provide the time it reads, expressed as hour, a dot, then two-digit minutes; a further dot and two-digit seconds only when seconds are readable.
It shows 7.18
